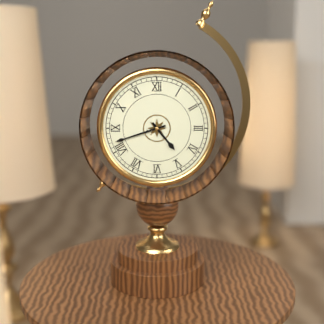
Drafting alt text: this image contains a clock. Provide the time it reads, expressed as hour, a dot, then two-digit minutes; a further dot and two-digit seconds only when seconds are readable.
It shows 4.42
